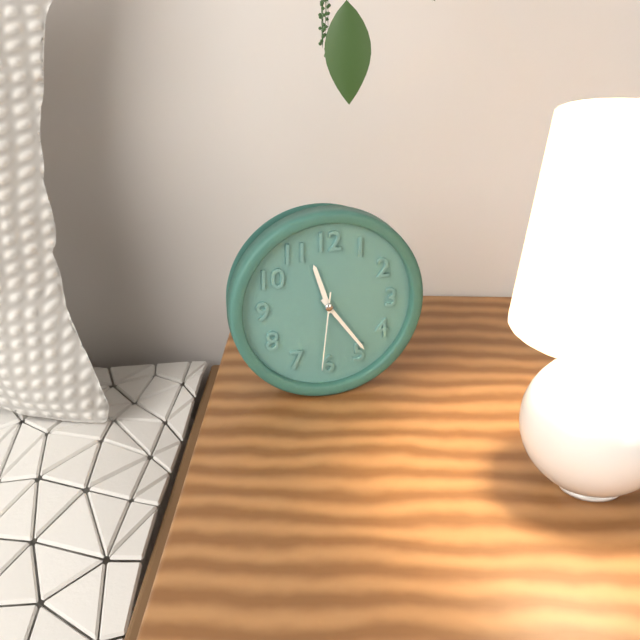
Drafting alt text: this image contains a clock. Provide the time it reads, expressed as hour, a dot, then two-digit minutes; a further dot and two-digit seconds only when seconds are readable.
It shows 11.24.31
